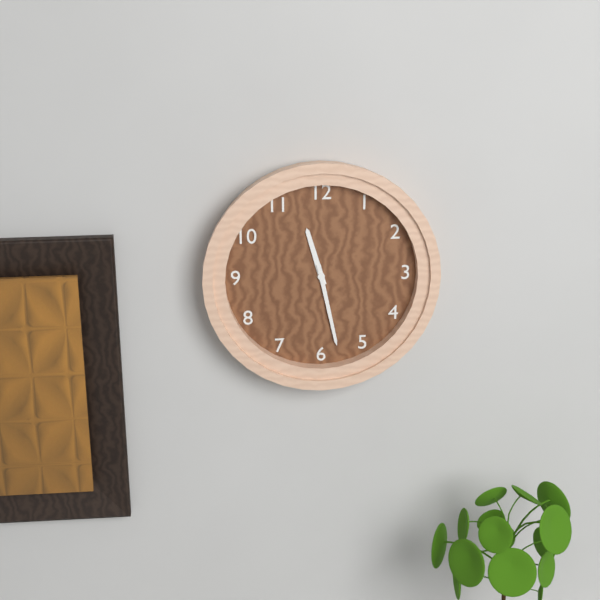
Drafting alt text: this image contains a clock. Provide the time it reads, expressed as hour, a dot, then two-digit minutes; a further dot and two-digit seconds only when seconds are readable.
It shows 11.28
